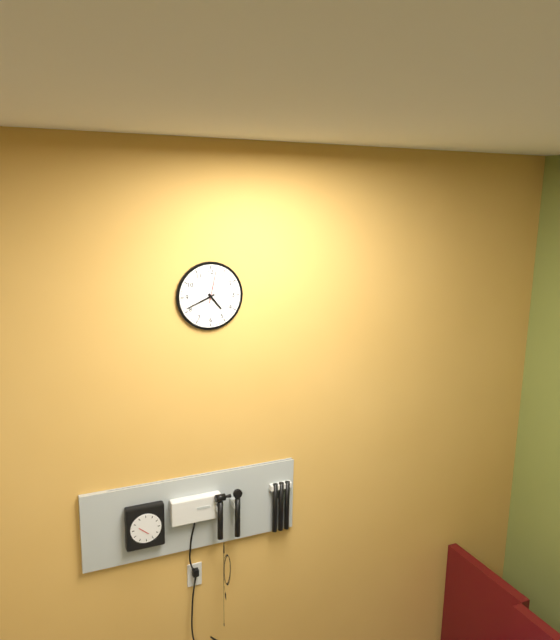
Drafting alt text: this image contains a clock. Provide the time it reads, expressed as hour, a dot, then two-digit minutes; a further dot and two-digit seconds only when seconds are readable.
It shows 4.41
